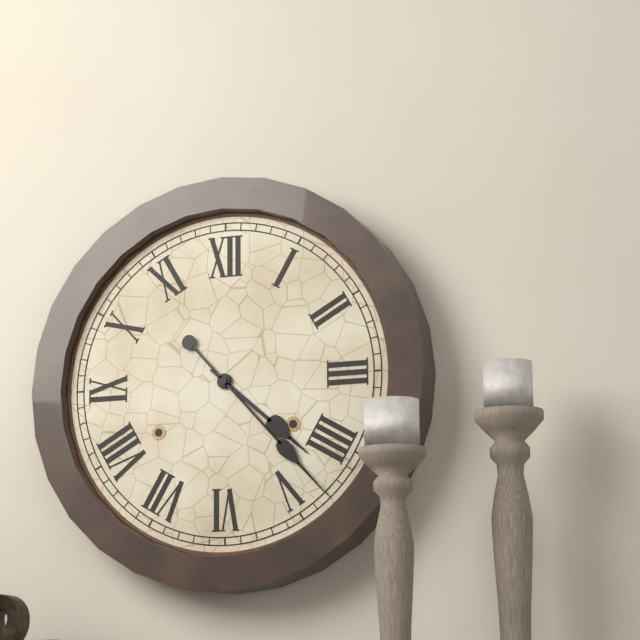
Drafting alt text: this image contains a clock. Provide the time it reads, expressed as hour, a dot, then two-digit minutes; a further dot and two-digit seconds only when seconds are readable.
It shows 4.23
